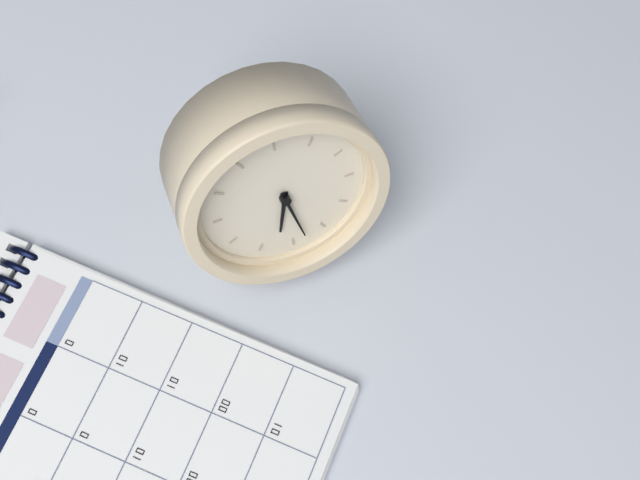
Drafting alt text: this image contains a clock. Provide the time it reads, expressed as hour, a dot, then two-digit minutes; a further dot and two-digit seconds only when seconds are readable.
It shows 6.28
